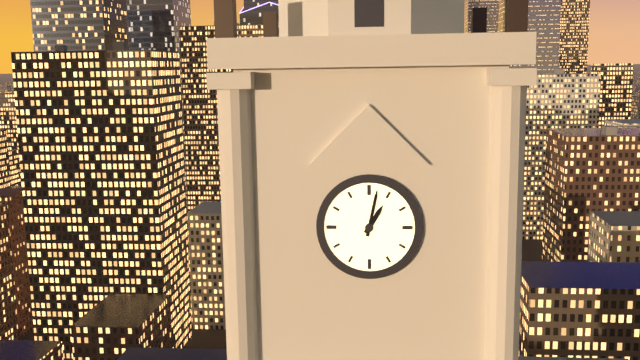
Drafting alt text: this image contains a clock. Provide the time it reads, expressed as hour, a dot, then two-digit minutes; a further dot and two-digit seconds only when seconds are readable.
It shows 1.02
